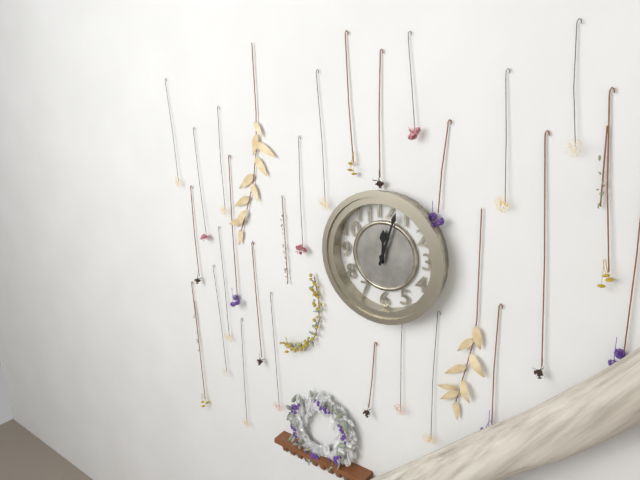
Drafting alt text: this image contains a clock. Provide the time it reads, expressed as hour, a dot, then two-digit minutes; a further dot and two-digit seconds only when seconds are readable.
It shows 12.03
